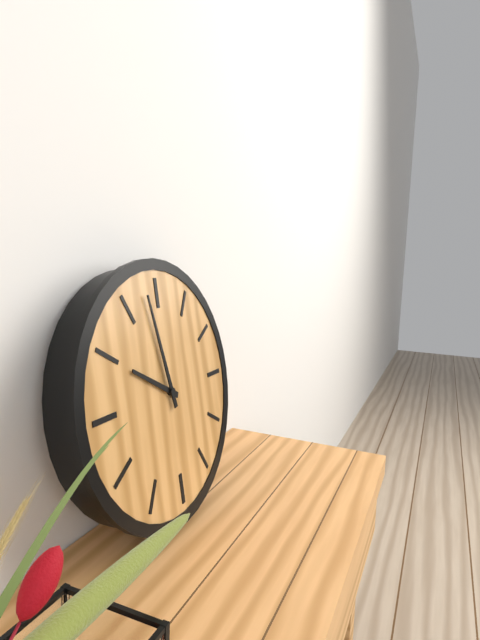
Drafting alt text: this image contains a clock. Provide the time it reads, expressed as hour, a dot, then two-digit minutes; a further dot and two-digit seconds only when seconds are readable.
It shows 9.58
